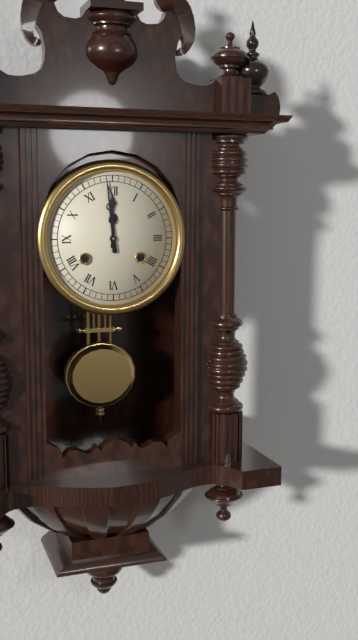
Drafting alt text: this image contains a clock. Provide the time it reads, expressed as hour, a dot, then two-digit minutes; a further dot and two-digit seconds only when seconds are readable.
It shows 11.59
